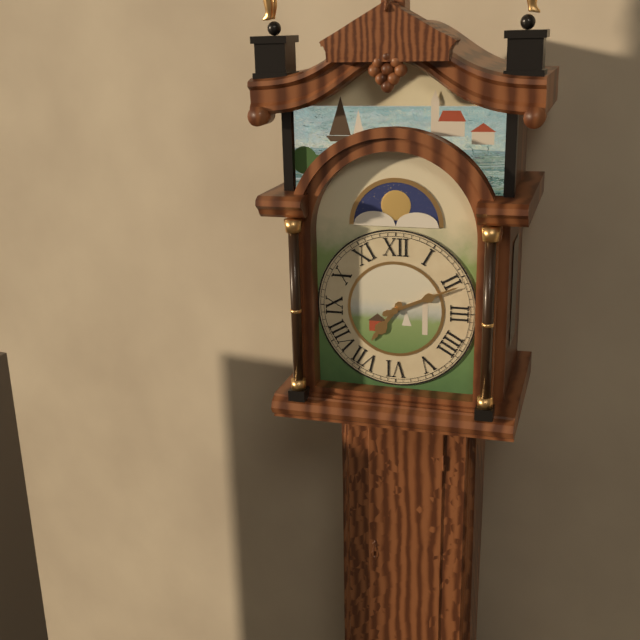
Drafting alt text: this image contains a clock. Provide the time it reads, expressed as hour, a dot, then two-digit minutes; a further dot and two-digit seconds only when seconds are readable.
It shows 7.11
